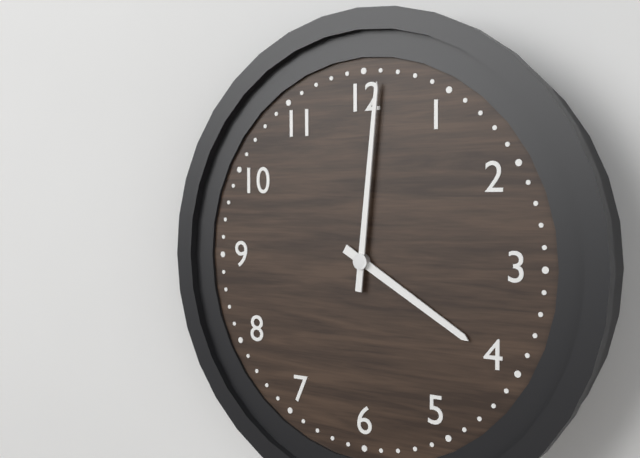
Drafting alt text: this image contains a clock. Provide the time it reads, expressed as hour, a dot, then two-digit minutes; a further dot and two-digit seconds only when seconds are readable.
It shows 4.01
